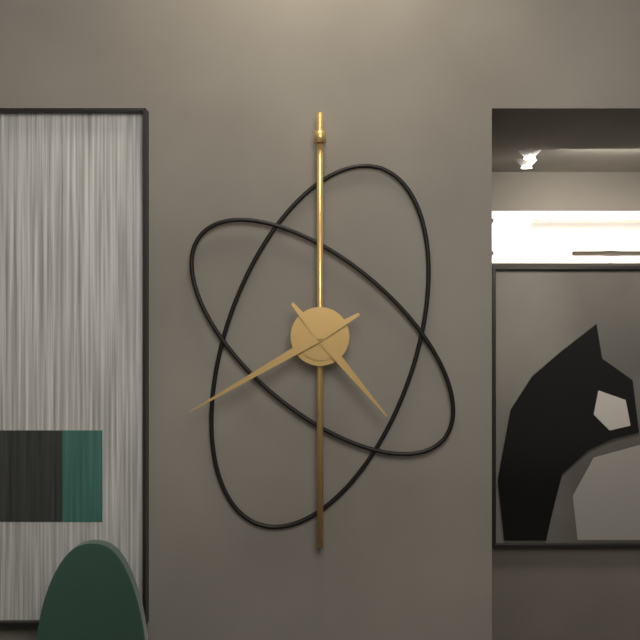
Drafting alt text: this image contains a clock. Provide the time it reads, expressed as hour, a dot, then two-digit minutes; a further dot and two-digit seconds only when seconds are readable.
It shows 4.40
